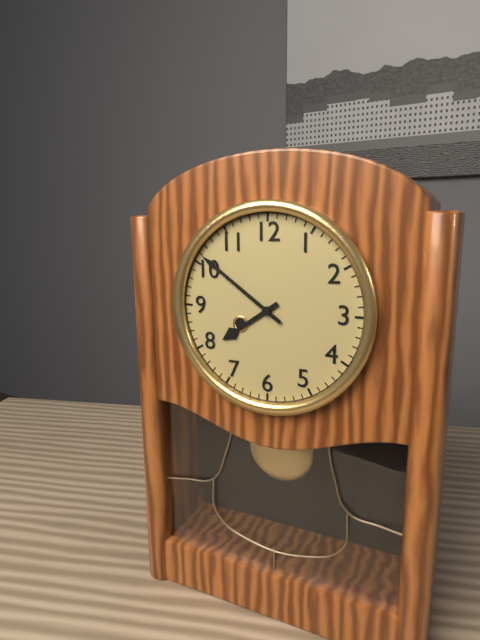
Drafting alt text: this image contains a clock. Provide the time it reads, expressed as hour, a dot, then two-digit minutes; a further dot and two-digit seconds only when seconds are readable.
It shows 7.51
